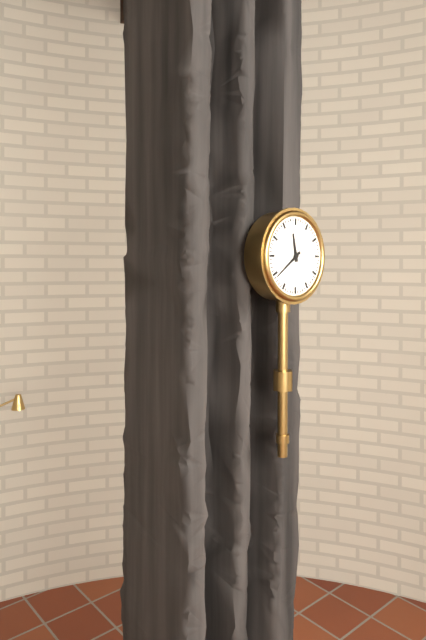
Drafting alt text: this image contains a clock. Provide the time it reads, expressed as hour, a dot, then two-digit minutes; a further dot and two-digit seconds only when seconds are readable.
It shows 11.39
